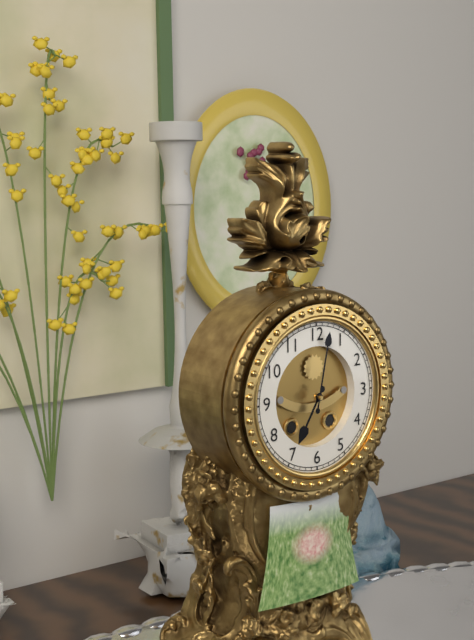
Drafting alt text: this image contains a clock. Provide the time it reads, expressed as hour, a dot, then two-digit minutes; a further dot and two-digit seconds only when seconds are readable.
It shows 7.02
